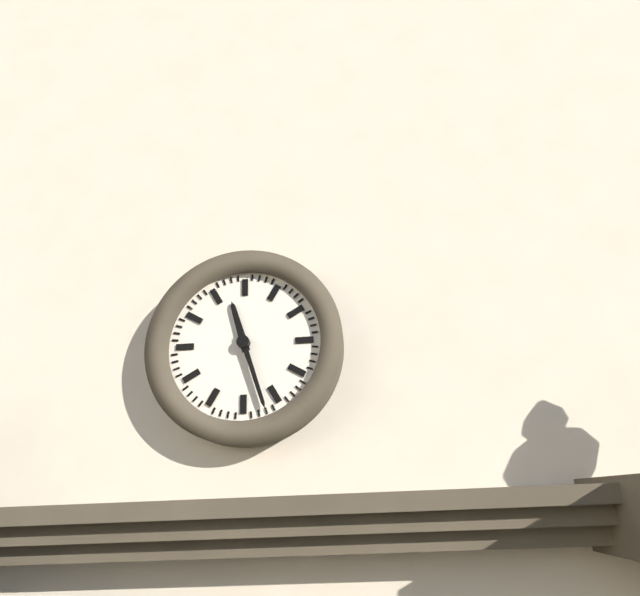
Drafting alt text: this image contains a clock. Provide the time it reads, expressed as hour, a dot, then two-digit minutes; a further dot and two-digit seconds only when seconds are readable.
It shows 11.27
